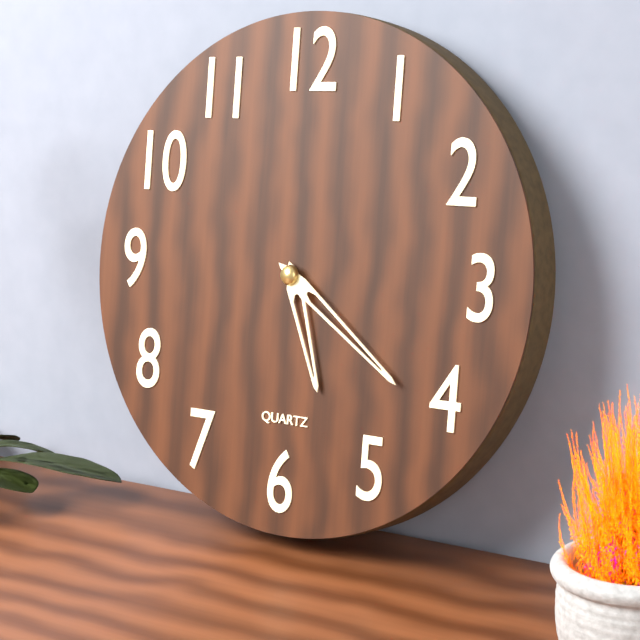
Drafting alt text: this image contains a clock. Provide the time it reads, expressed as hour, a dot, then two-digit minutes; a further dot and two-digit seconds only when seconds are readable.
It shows 5.21
